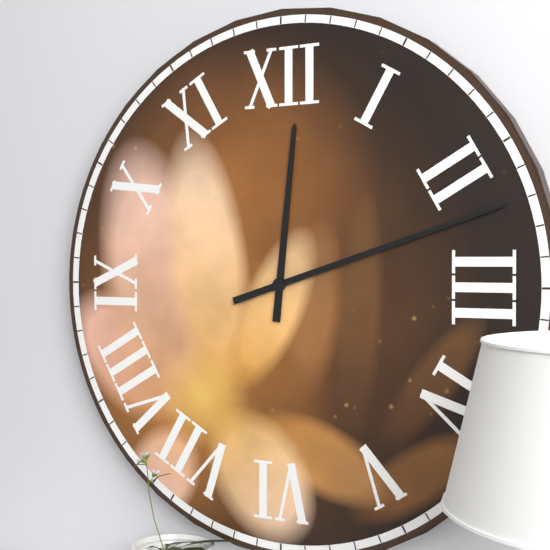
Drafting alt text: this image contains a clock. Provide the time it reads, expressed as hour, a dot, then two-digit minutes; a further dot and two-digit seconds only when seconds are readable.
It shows 12.12
